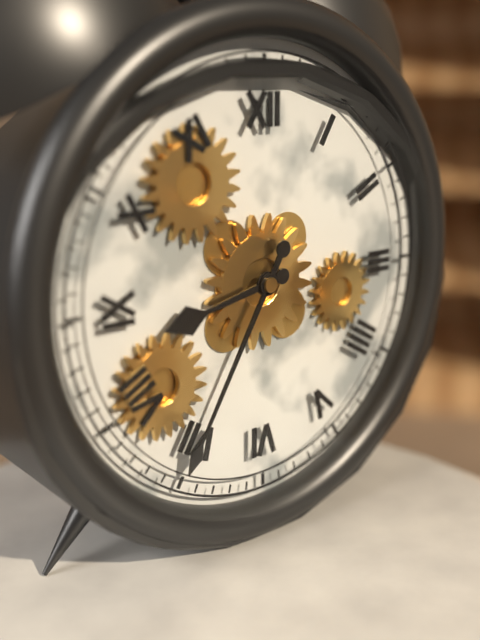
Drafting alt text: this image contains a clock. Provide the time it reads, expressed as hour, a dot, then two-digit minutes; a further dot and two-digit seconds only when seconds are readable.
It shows 8.35
